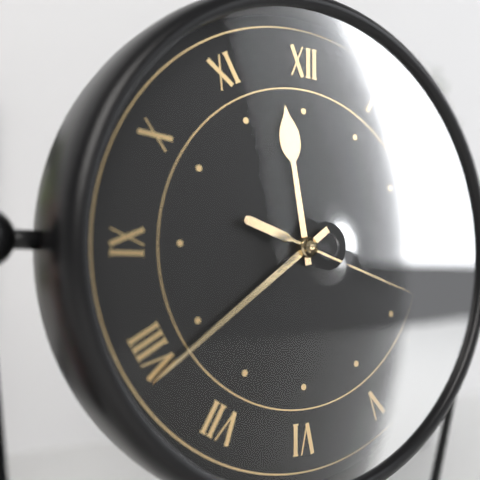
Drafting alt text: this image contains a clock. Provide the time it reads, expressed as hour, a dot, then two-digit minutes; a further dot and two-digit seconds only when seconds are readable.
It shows 11.39.18
